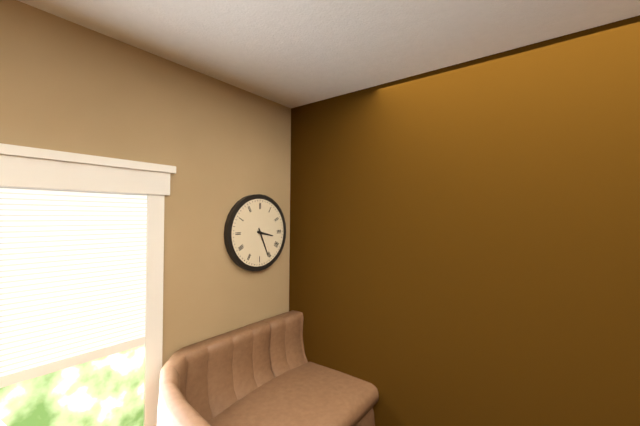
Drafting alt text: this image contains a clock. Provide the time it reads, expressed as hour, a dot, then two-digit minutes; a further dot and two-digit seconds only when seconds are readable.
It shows 3.26
